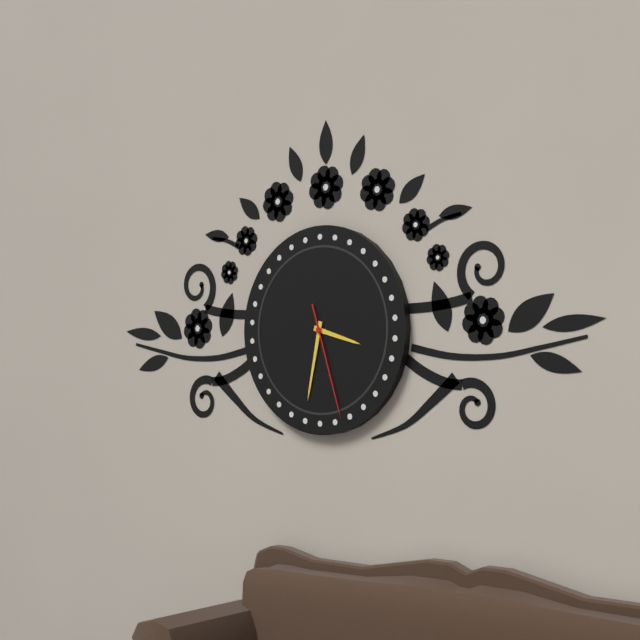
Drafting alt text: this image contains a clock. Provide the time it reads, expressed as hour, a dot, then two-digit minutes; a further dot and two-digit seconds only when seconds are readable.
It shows 3.32.27
